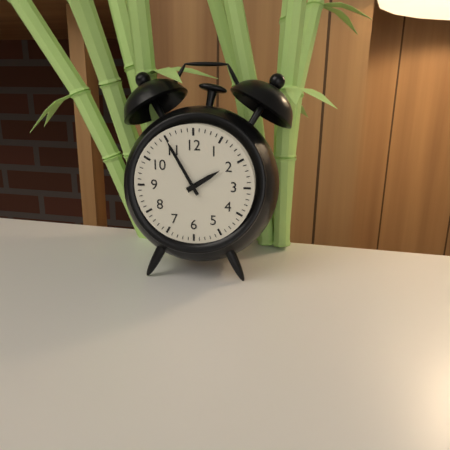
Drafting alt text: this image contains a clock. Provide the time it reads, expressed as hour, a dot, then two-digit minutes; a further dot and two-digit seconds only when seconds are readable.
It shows 1.55
